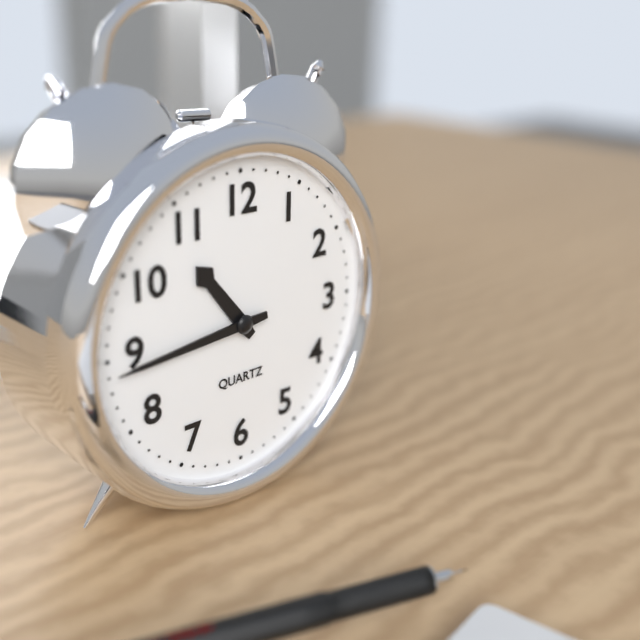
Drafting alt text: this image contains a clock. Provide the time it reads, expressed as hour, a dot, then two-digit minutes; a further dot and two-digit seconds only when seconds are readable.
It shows 10.44
